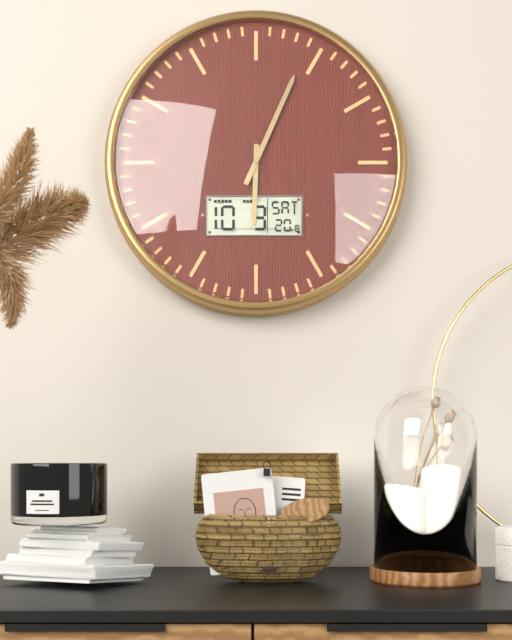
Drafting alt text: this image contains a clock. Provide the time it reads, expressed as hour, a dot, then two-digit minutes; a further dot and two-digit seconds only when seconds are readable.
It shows 6.04
